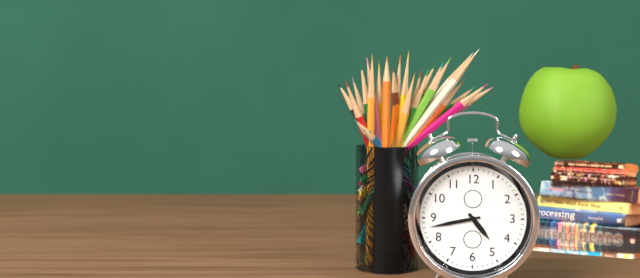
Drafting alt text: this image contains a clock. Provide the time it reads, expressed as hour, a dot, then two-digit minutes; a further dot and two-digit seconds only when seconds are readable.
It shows 4.43
